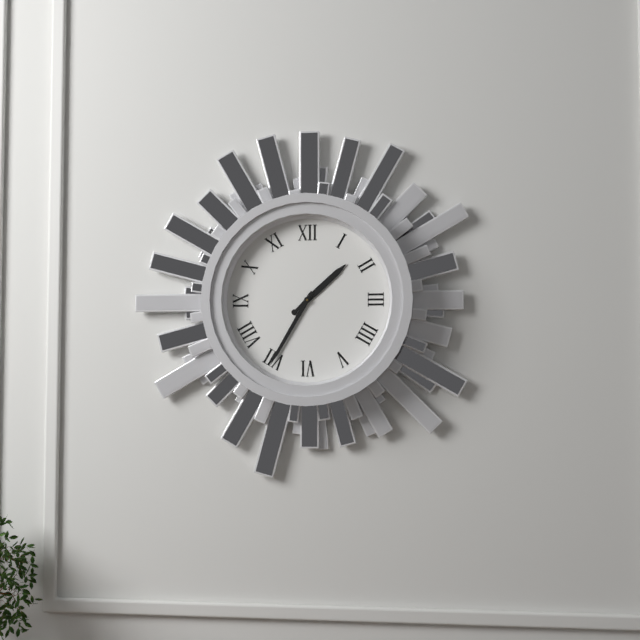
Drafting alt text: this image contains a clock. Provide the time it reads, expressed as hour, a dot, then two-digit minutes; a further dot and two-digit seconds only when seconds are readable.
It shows 1.35
